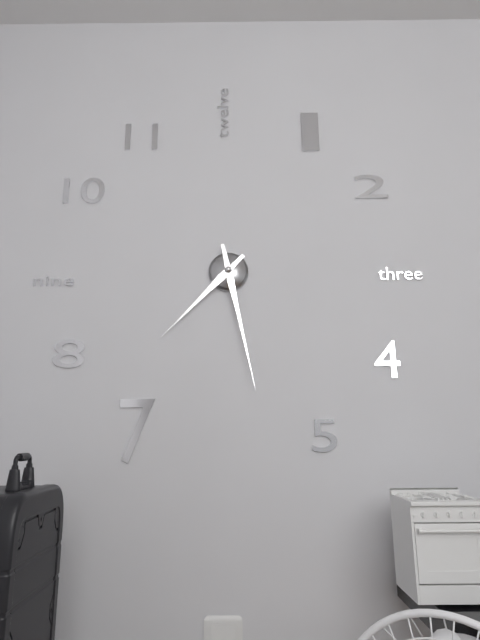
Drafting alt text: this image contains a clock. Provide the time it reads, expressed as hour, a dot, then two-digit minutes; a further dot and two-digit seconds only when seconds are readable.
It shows 7.28
